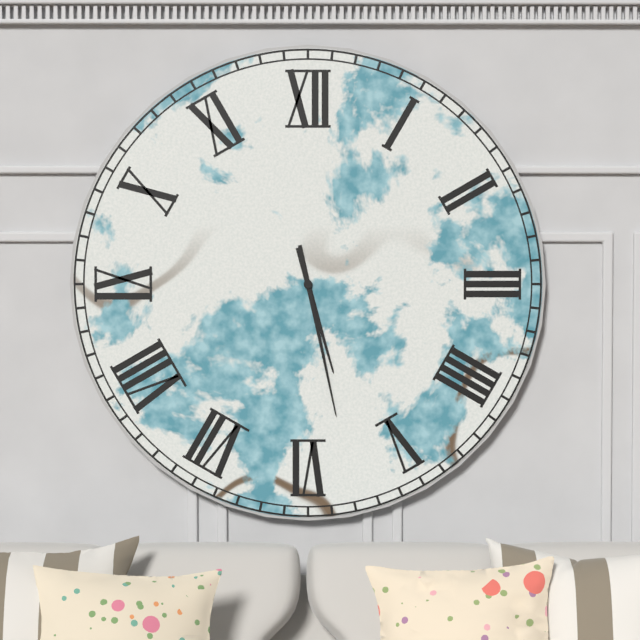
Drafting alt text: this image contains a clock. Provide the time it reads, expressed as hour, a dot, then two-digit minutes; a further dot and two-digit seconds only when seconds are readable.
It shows 5.28
